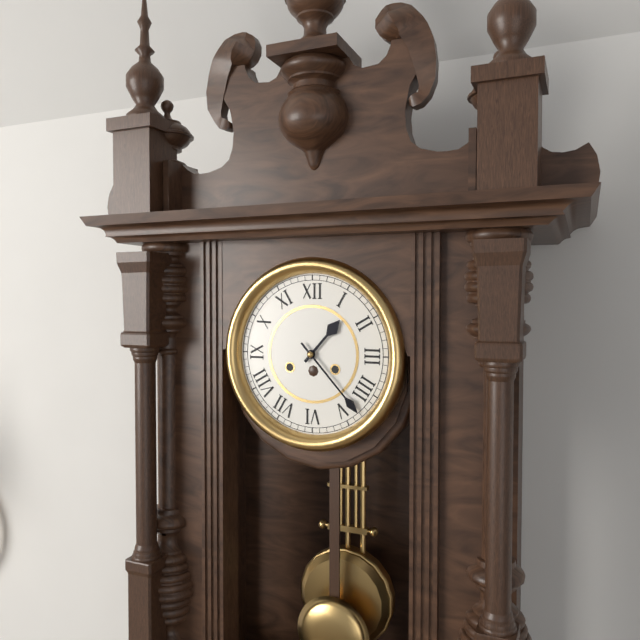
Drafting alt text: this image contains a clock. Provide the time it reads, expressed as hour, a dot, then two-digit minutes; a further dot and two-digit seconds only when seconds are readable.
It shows 1.23
